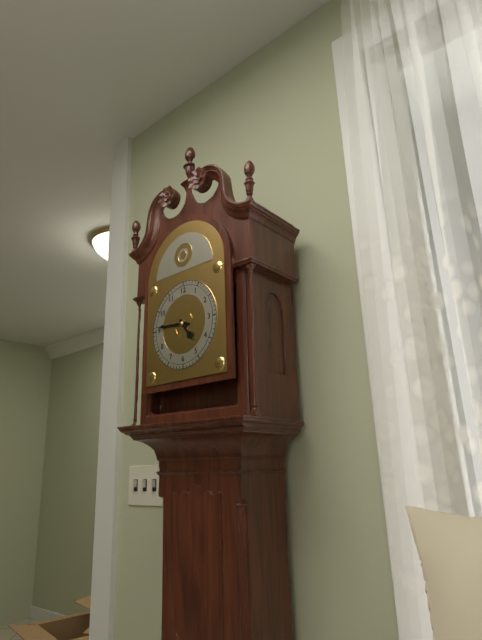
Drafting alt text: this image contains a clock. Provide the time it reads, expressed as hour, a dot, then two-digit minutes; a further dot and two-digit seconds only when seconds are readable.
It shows 4.46
